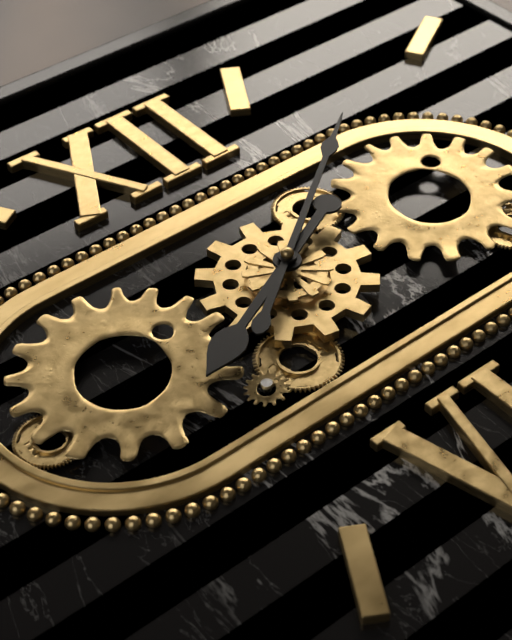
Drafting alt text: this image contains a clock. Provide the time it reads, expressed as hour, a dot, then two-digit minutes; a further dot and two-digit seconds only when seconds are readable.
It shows 8.09
